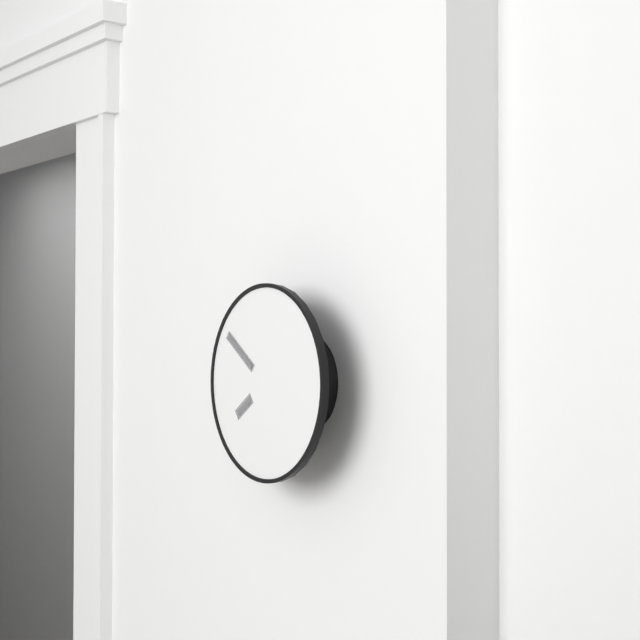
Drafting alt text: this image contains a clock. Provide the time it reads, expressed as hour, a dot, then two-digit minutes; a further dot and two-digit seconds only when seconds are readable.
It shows 7.51
